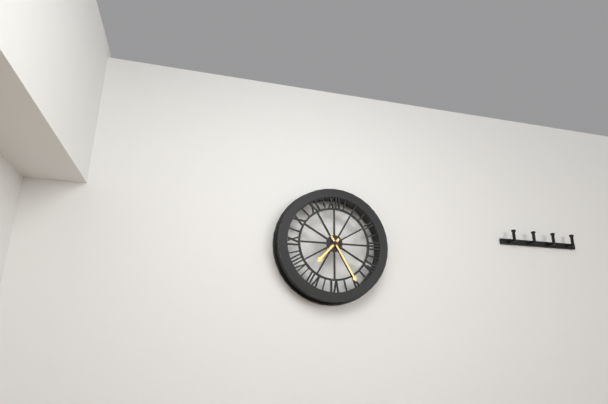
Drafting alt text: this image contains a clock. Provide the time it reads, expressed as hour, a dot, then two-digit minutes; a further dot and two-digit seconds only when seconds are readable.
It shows 7.25
